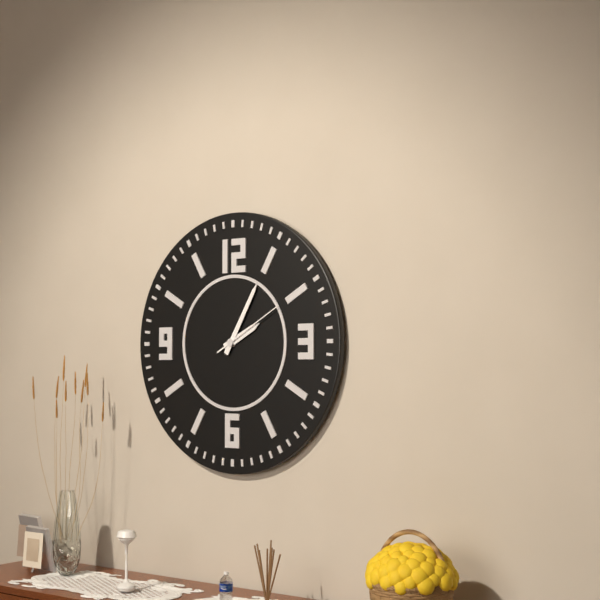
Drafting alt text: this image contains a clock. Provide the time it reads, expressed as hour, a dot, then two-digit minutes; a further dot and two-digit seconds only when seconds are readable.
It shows 2.05.10
